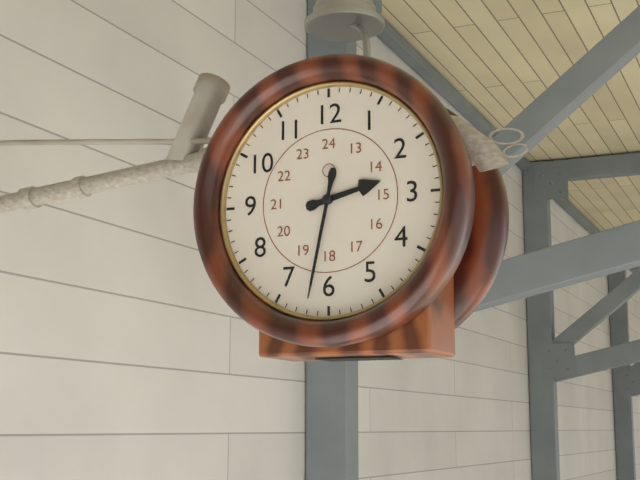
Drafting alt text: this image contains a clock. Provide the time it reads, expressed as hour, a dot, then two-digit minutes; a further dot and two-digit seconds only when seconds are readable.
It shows 2.32
